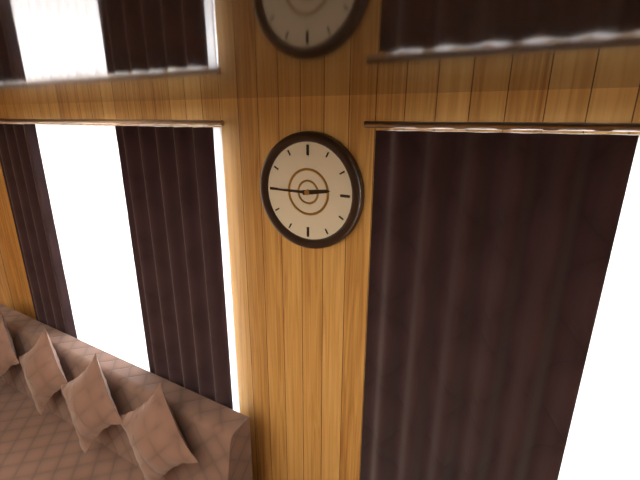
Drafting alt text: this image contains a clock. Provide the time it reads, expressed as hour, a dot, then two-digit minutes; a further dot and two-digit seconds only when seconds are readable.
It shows 2.45
